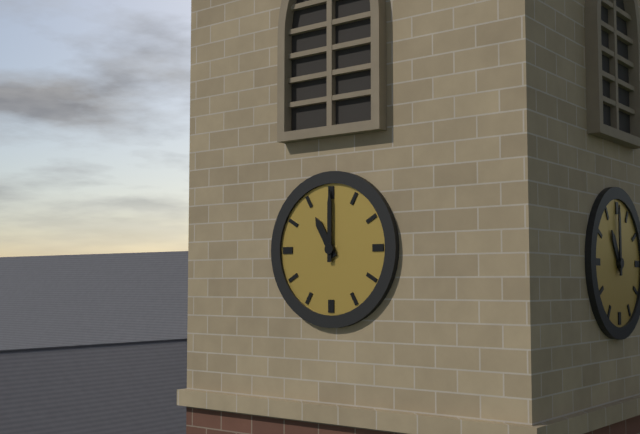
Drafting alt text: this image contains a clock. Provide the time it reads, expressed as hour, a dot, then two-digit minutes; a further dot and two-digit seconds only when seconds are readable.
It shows 11.00
